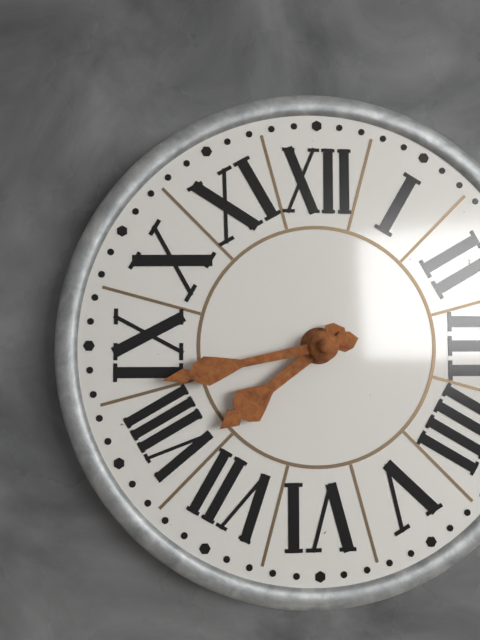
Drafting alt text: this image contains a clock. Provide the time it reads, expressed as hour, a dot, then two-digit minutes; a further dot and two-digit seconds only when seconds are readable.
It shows 7.43
